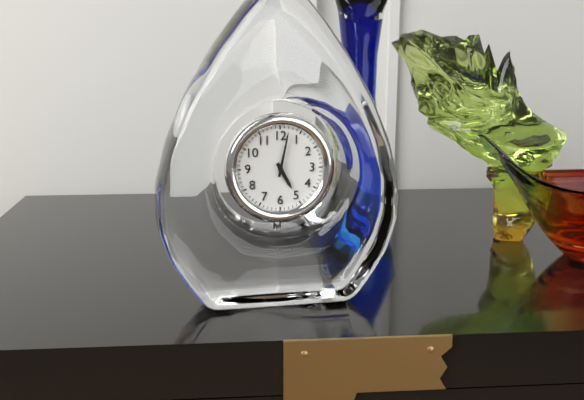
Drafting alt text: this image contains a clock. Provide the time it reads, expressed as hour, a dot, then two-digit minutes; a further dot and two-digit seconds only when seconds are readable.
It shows 5.02
